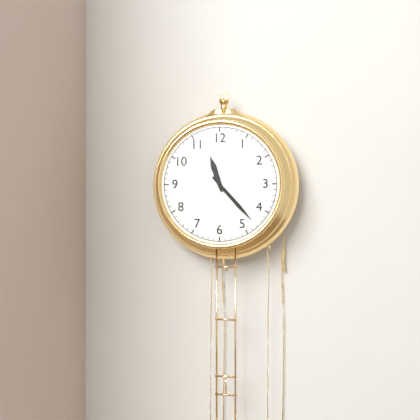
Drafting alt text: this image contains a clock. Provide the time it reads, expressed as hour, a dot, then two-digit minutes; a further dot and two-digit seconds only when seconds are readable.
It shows 11.23
